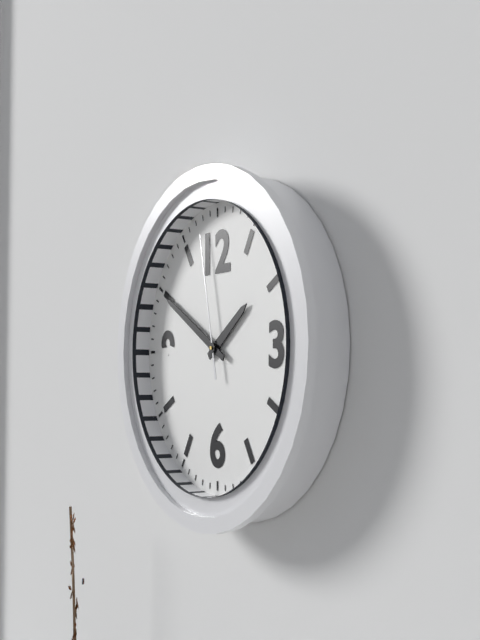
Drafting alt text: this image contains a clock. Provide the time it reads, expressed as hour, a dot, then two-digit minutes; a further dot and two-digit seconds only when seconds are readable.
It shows 1.50.58
